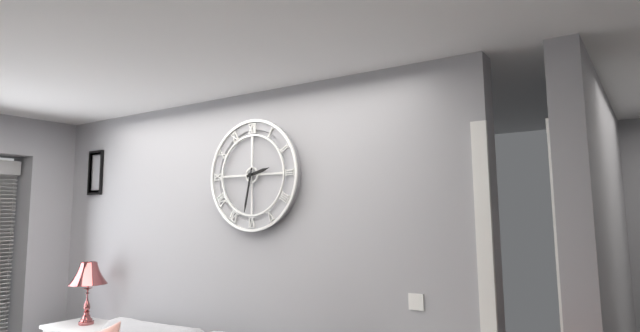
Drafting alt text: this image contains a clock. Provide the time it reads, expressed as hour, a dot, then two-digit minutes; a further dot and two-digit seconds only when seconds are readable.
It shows 2.32
